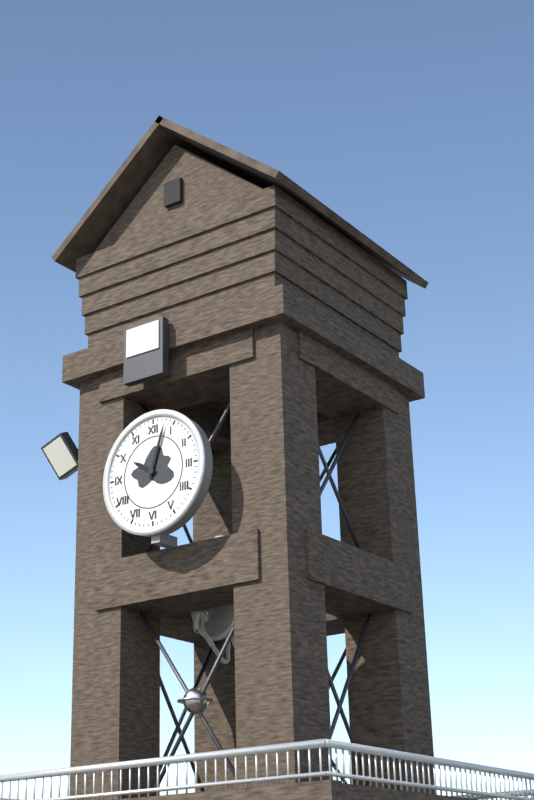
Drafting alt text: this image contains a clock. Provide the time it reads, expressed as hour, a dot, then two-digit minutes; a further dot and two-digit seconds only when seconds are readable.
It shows 10.03
